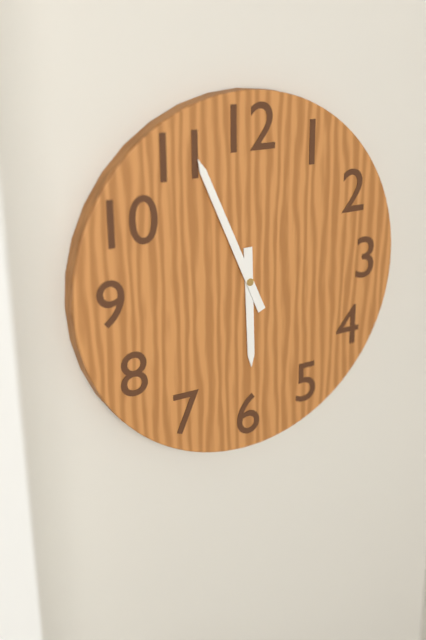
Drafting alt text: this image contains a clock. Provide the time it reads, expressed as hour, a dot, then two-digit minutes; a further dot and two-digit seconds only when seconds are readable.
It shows 5.56
